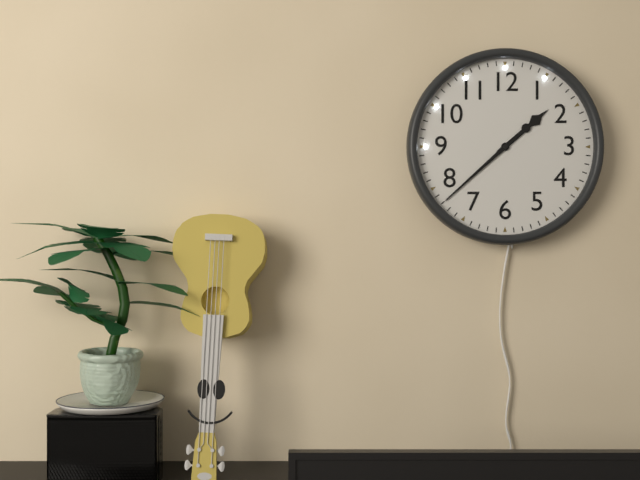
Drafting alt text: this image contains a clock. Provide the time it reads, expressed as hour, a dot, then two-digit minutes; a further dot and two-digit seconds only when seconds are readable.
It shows 1.38
